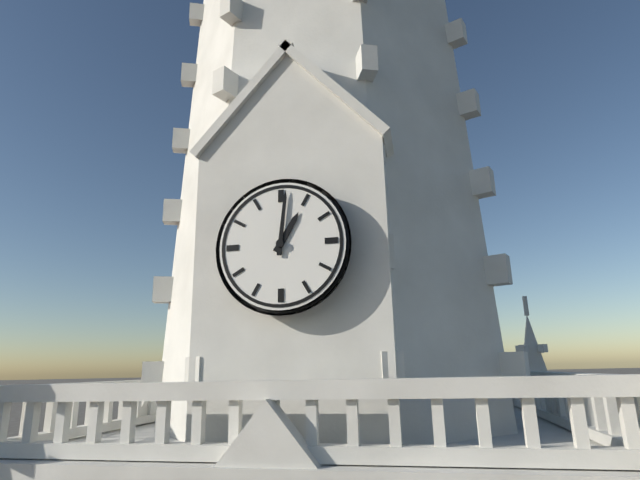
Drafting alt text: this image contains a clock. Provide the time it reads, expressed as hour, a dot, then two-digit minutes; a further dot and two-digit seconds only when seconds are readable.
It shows 1.01
